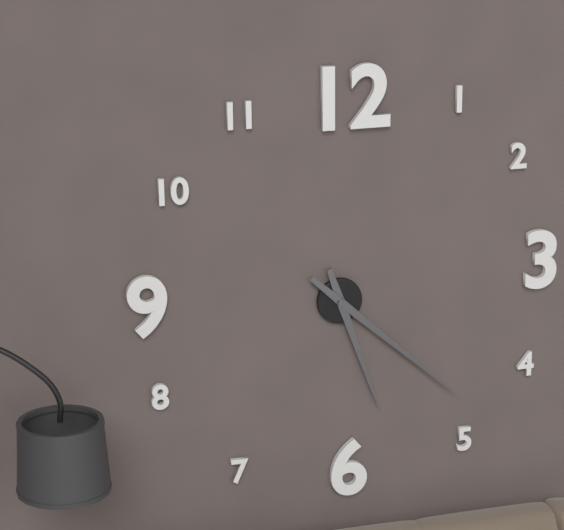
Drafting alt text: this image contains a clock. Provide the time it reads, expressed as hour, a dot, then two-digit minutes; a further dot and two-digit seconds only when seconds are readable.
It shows 5.22
